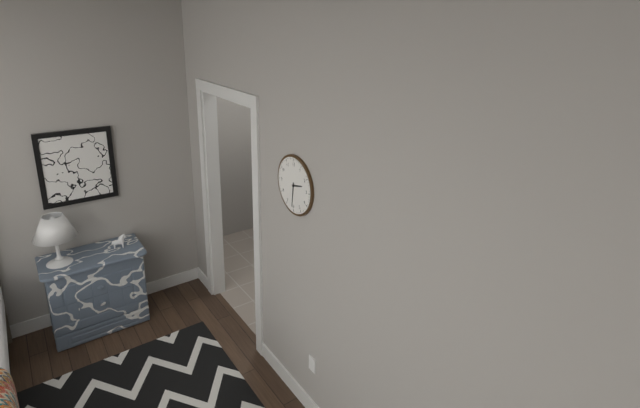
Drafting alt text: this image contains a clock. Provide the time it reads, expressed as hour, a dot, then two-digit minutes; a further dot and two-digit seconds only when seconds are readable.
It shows 2.31
